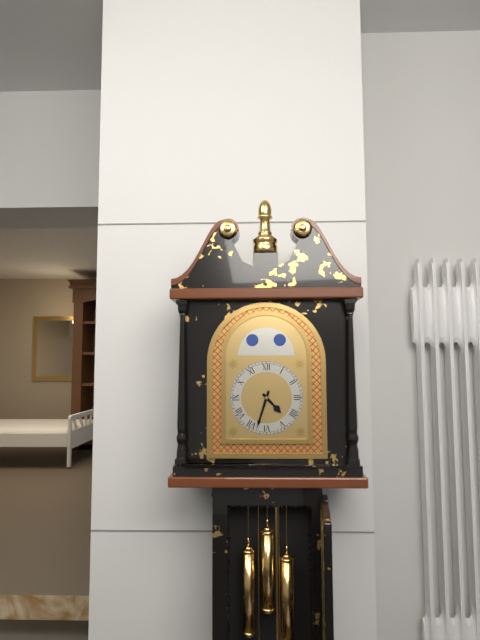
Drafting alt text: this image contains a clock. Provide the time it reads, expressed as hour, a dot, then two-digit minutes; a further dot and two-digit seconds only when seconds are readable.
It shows 4.33
